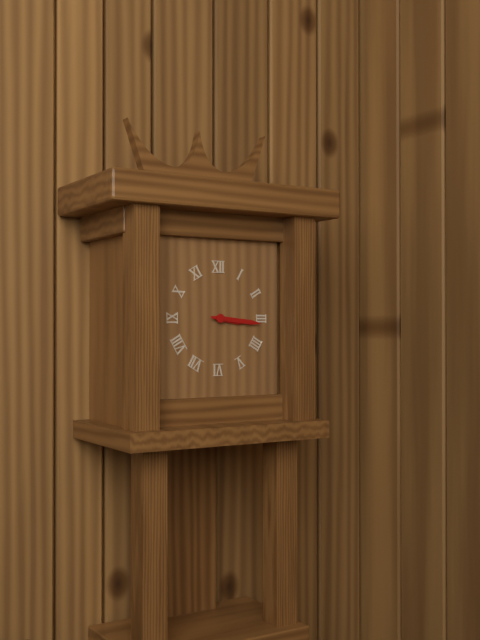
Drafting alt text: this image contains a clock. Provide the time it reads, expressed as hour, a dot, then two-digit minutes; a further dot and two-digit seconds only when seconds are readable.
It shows 3.16
